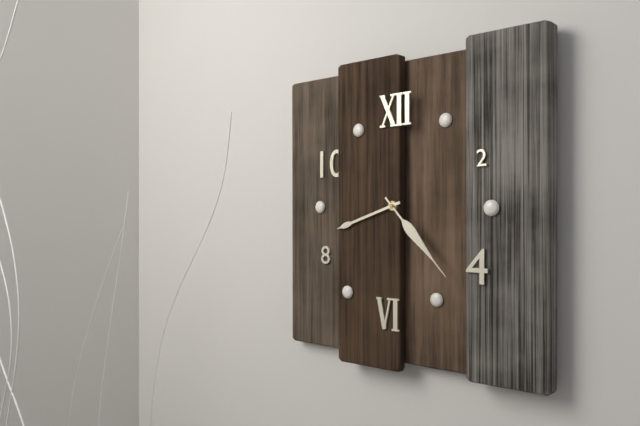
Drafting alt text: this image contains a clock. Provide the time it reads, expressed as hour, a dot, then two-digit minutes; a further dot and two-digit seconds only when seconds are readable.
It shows 8.23
